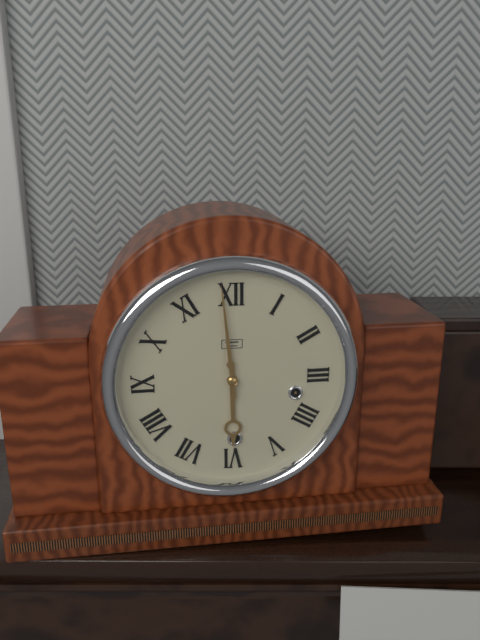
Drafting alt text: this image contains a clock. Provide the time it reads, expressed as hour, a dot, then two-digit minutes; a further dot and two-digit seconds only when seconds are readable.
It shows 5.59
